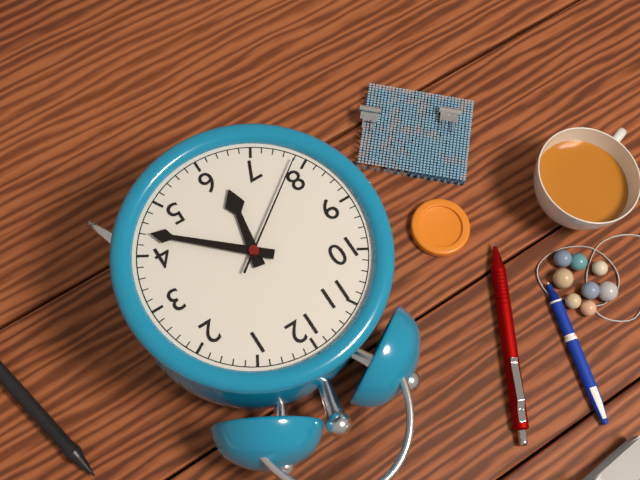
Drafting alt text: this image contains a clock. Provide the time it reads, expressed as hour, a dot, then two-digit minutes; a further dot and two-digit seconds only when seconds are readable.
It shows 6.22.39
